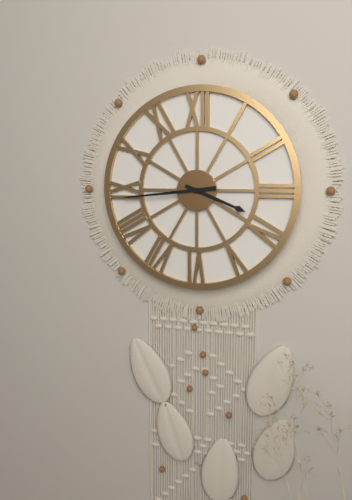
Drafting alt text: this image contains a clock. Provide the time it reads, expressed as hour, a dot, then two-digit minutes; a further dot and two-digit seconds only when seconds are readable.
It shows 3.44
